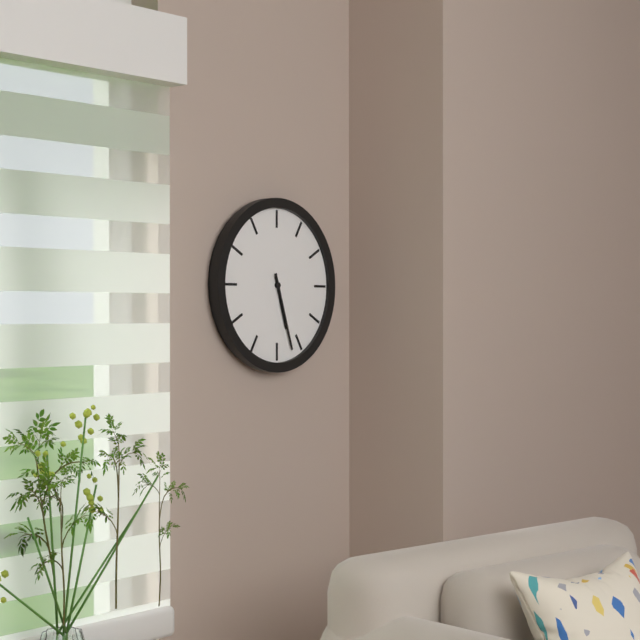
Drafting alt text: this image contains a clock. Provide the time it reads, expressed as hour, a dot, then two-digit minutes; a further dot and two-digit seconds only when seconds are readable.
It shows 5.27
